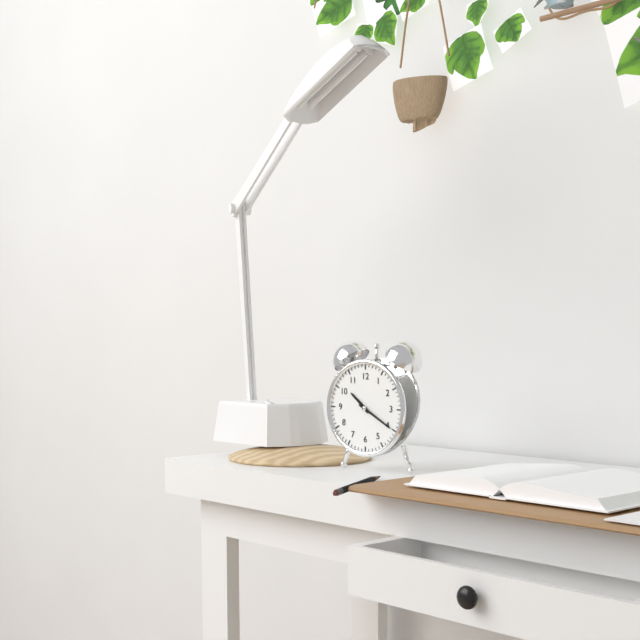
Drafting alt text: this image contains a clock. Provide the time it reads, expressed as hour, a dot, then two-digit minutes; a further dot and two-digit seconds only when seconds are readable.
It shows 10.20
